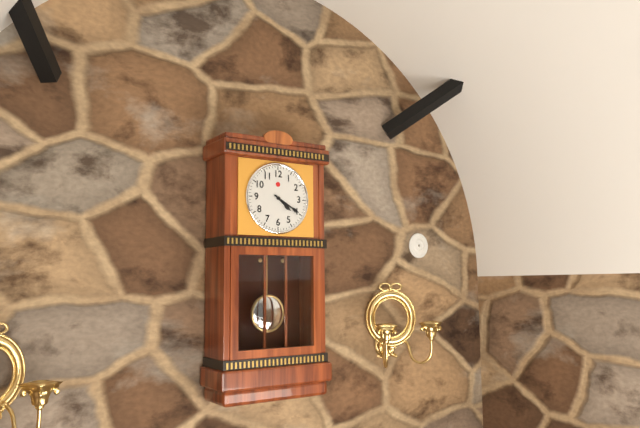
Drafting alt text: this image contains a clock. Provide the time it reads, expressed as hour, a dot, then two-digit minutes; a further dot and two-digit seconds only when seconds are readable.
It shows 4.20
